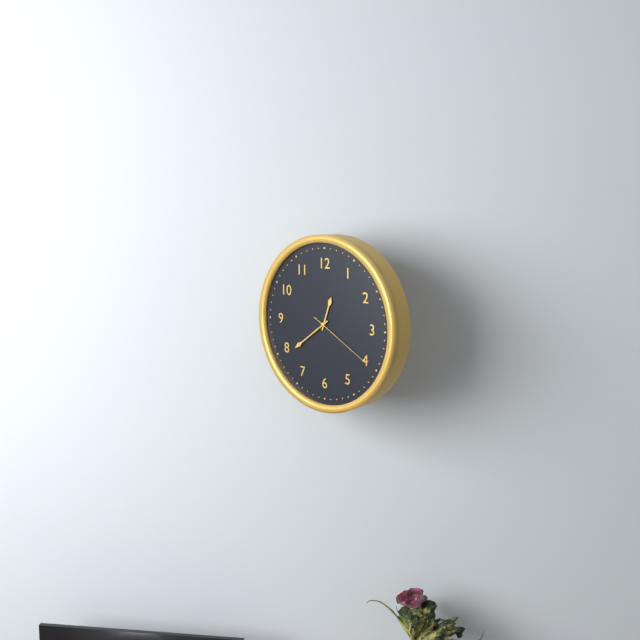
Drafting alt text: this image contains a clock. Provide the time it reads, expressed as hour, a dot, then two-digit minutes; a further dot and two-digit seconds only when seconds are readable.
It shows 12.39.20
